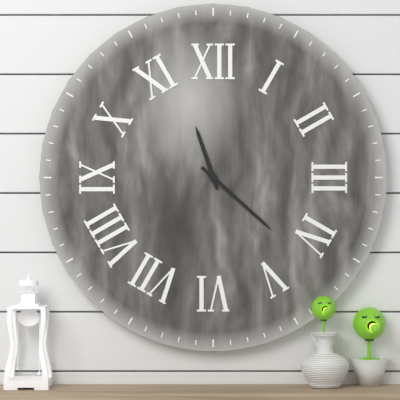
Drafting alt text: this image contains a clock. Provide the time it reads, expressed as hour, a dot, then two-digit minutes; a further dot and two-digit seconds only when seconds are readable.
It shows 11.22
